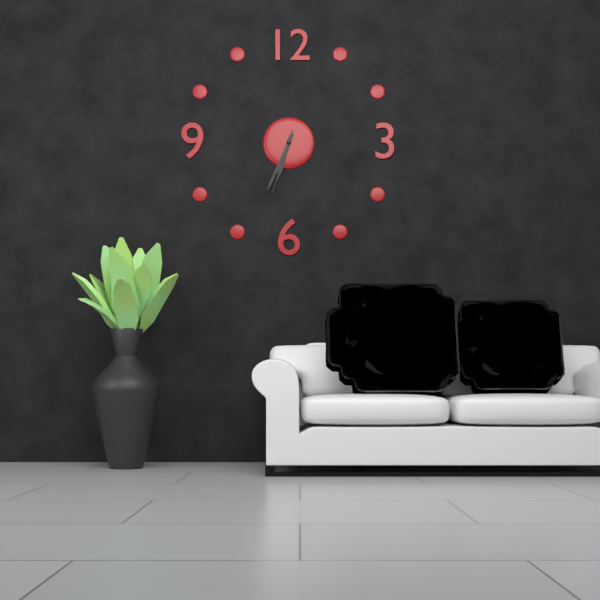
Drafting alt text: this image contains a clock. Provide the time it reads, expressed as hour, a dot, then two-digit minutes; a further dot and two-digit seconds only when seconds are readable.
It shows 6.34.33
